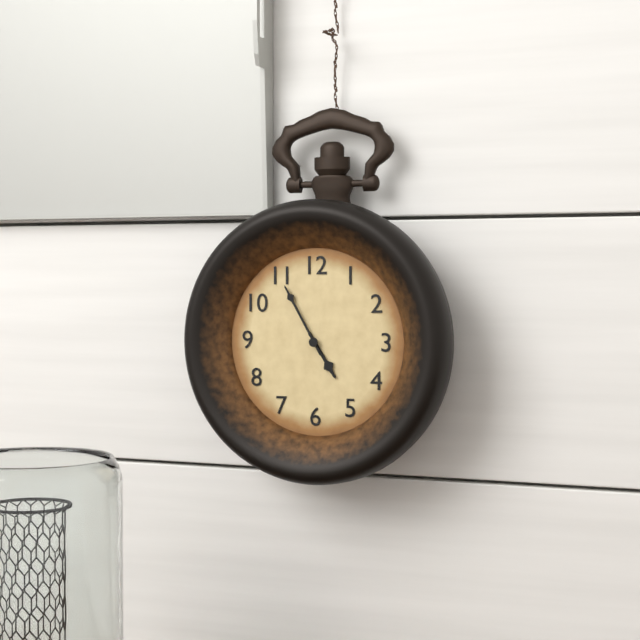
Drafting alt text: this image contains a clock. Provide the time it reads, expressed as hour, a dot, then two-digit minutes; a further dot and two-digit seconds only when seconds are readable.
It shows 4.55
